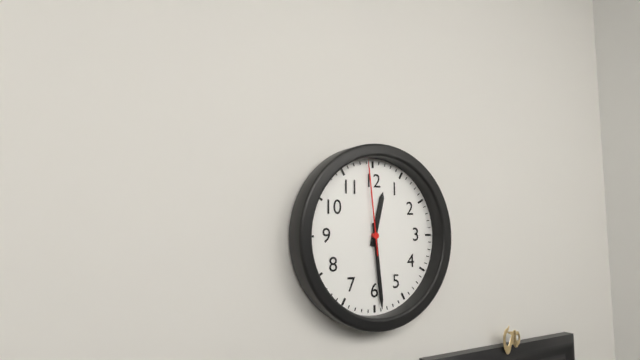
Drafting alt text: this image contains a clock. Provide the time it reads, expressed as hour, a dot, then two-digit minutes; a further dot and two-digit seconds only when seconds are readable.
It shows 12.29.59
